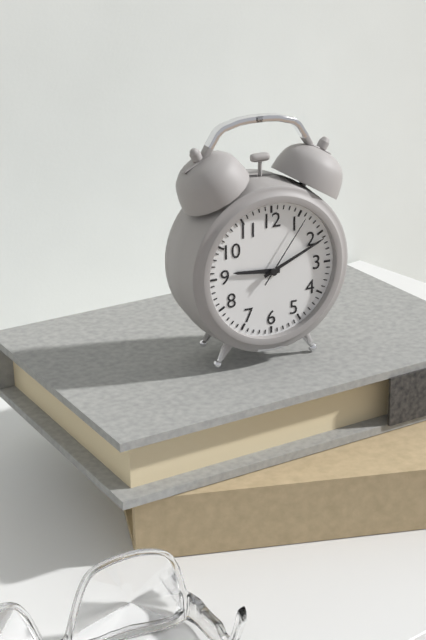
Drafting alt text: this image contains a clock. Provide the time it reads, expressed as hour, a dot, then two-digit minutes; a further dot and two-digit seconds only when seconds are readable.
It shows 9.11.06
